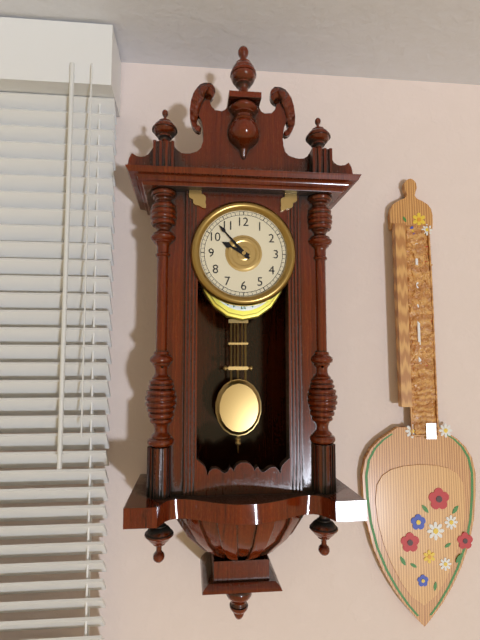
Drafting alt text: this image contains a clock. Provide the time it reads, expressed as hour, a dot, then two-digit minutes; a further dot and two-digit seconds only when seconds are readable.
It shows 9.53
